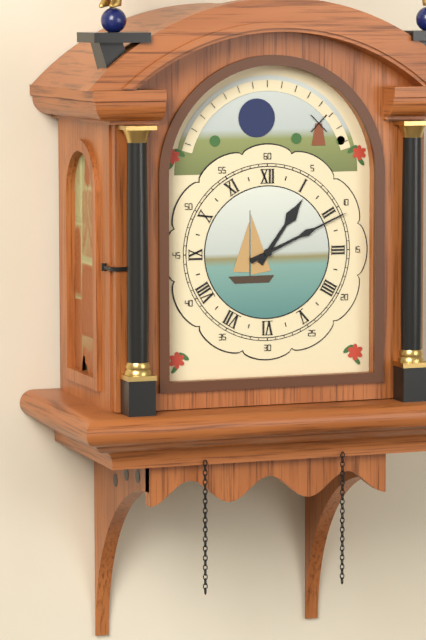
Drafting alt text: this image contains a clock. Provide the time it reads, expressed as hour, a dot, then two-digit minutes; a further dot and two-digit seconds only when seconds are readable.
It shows 1.11
